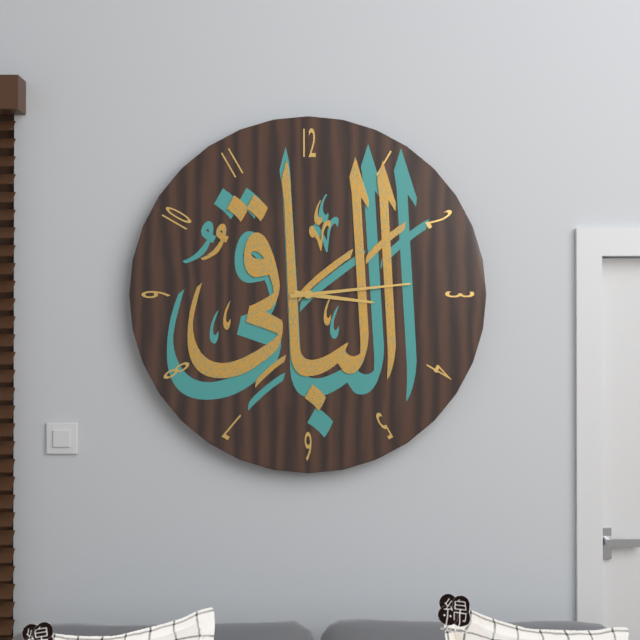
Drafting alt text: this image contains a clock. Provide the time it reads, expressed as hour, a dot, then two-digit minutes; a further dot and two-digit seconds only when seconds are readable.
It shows 3.14
